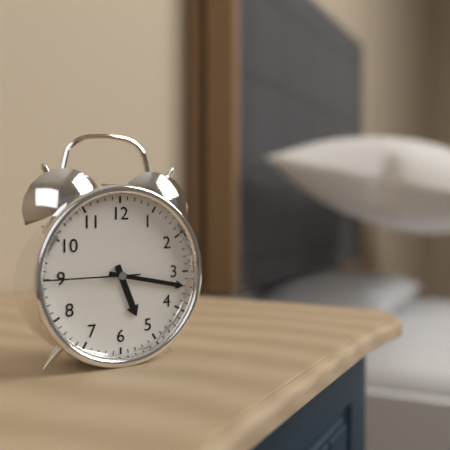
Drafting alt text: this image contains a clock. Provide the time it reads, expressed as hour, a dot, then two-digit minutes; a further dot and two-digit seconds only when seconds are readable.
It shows 5.17.45
